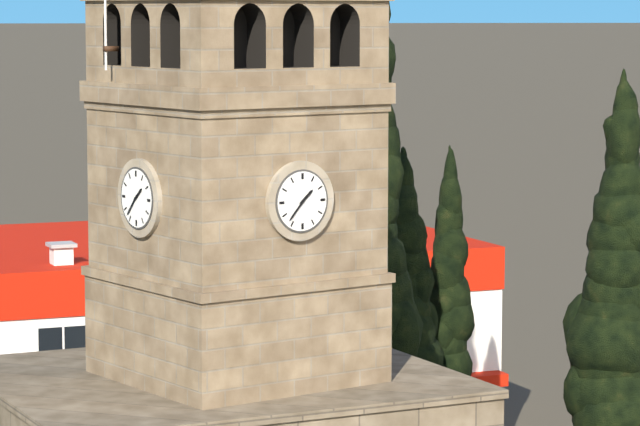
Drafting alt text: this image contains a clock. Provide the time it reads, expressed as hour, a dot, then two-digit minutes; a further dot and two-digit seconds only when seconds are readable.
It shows 1.37
